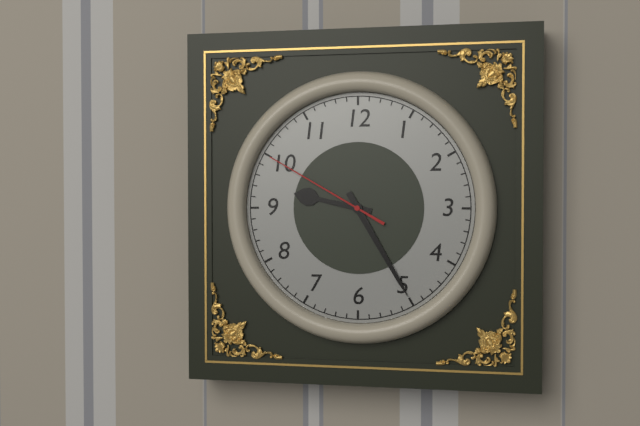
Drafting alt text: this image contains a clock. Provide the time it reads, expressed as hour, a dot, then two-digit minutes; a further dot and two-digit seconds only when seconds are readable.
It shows 9.25.50
